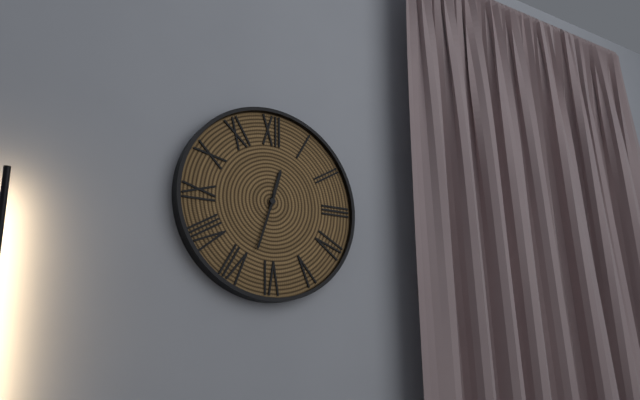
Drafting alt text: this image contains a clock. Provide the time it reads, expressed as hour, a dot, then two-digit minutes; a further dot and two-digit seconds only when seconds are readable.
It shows 12.33
